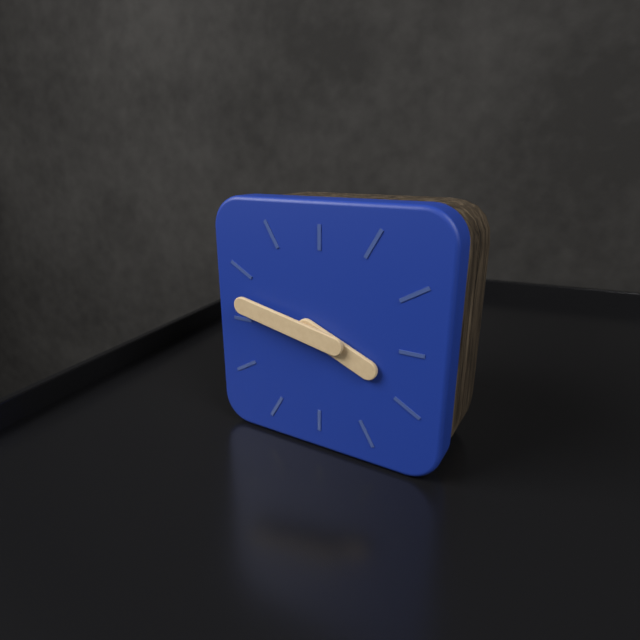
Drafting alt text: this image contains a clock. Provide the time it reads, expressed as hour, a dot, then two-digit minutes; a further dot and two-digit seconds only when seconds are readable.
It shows 3.47
